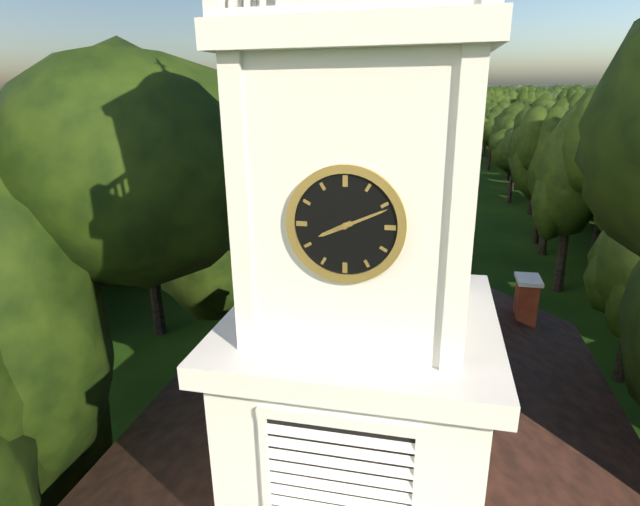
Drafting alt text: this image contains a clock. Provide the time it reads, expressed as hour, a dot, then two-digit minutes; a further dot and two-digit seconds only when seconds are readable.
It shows 8.11
